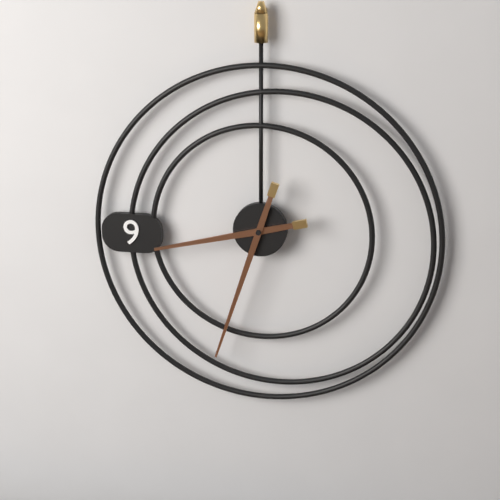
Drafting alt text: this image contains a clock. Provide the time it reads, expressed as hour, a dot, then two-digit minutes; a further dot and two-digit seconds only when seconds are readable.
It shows 8.33
